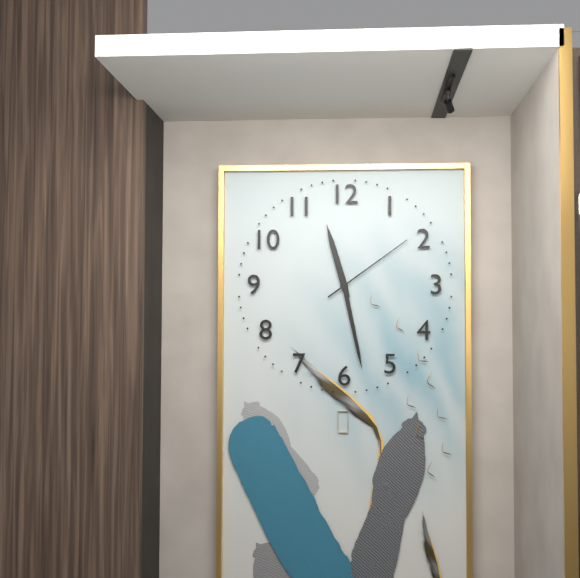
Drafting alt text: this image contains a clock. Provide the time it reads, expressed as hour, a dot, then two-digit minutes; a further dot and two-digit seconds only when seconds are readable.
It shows 11.28.09
